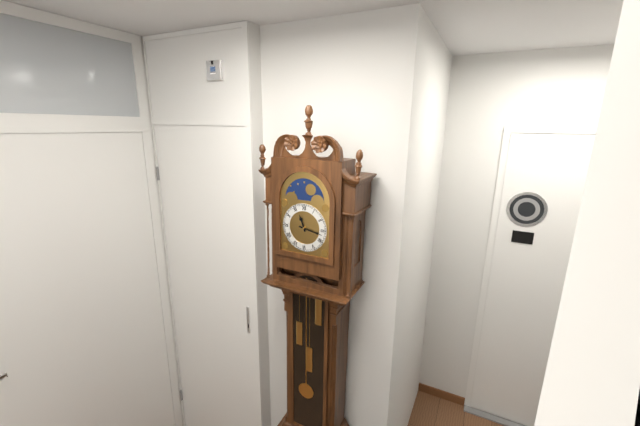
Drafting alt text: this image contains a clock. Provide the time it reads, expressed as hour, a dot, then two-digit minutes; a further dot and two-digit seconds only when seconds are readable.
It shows 11.17
